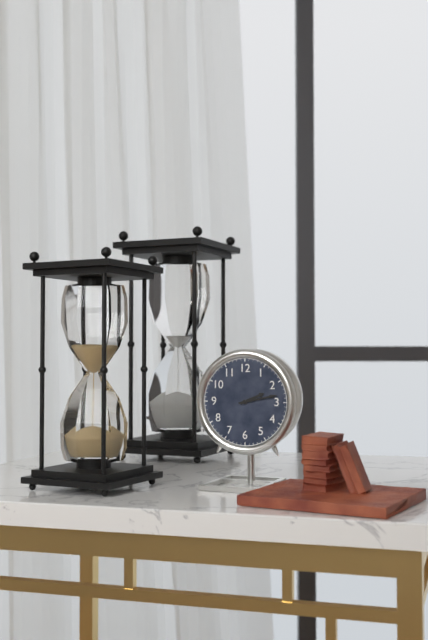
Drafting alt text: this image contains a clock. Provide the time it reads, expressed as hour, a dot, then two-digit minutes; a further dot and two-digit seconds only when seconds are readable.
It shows 2.13
